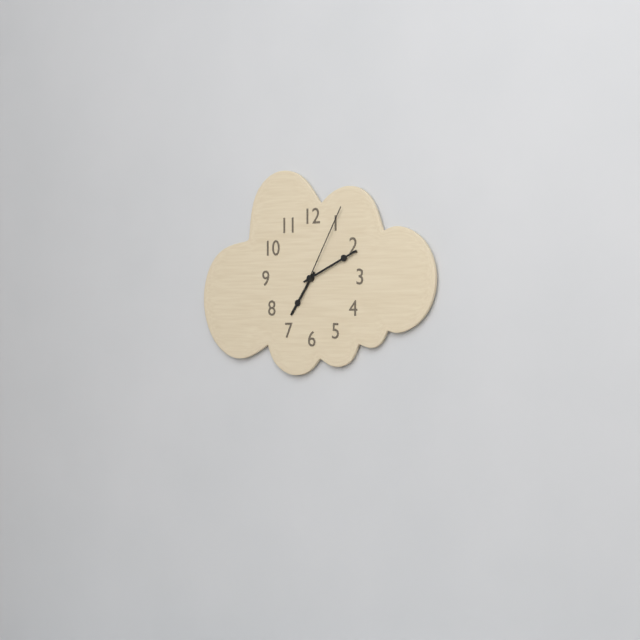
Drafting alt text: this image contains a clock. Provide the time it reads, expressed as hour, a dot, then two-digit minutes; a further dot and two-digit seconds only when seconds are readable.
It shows 7.11.05
